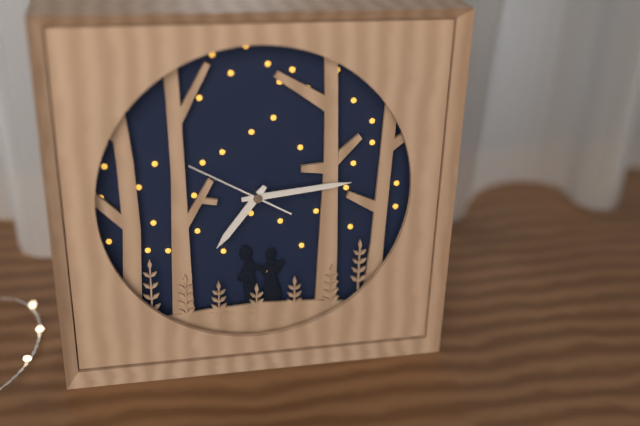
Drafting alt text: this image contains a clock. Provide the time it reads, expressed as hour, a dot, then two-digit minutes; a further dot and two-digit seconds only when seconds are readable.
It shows 7.14.50
